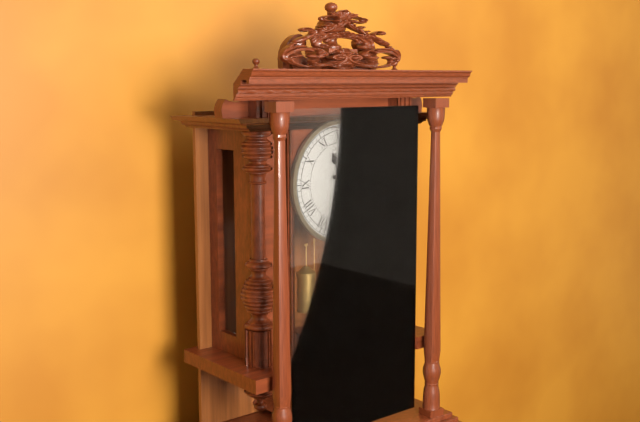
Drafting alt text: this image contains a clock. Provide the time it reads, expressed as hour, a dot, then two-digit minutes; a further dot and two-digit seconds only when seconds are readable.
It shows 11.20
